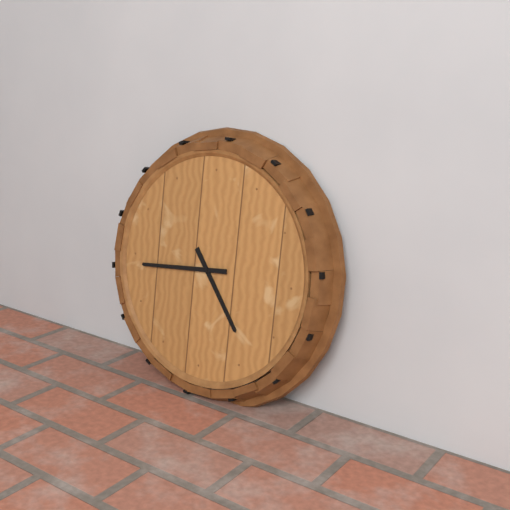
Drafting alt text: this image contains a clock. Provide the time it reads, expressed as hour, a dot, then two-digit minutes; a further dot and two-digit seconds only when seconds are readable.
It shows 4.44
